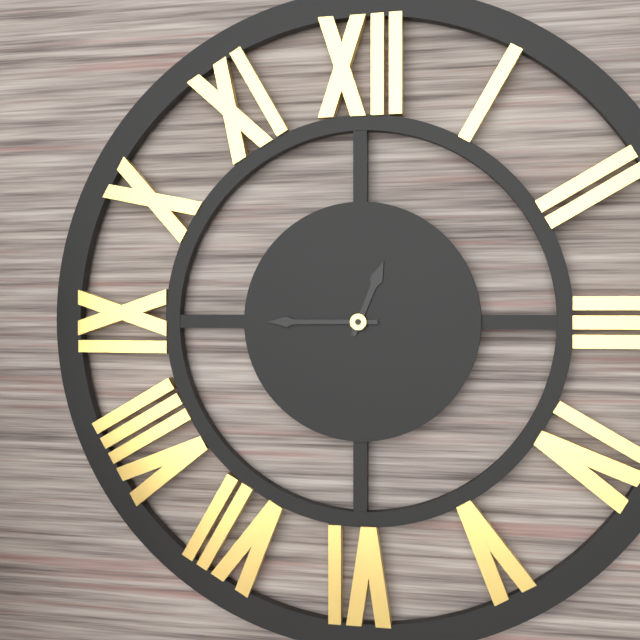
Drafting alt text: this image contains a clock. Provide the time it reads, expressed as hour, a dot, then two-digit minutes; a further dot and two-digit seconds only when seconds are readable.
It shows 12.45
